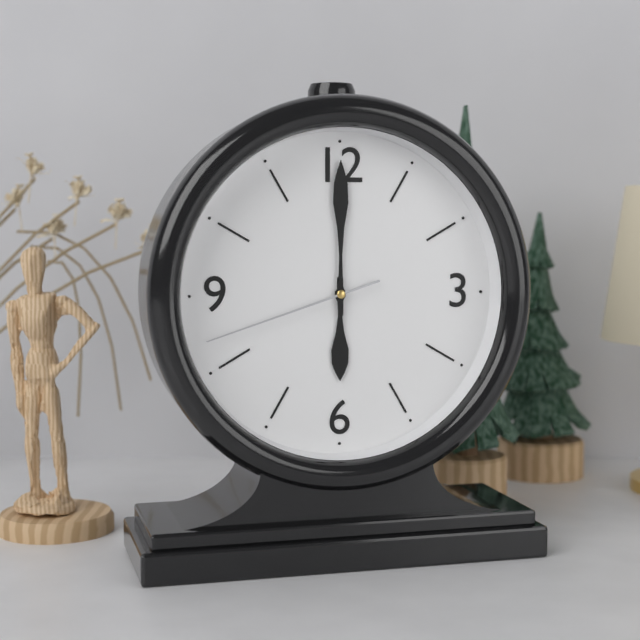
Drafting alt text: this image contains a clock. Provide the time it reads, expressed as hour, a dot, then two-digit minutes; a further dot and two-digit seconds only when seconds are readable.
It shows 6.00.42
